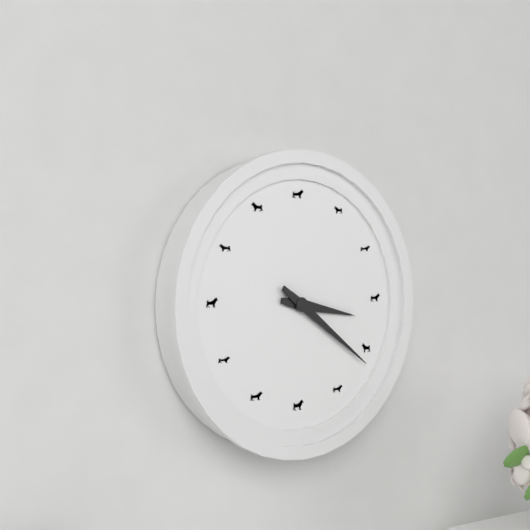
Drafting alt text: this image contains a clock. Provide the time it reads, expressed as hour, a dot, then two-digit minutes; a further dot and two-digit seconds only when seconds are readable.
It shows 3.21
